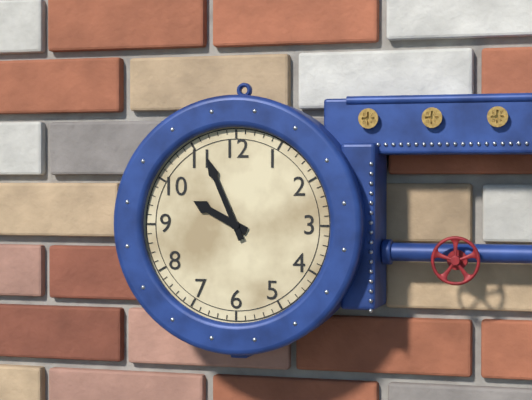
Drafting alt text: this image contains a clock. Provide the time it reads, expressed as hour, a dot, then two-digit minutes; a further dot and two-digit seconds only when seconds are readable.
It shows 9.56
